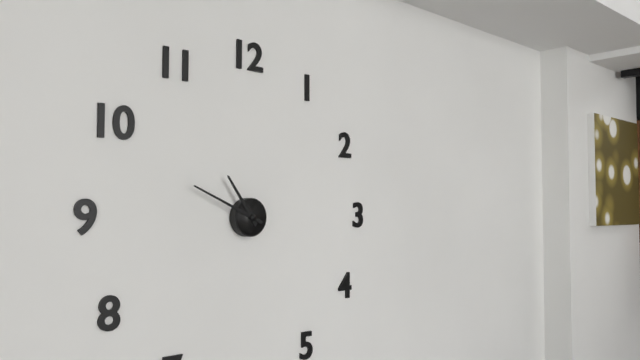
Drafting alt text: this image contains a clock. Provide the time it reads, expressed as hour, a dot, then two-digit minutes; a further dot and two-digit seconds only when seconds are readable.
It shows 10.49
